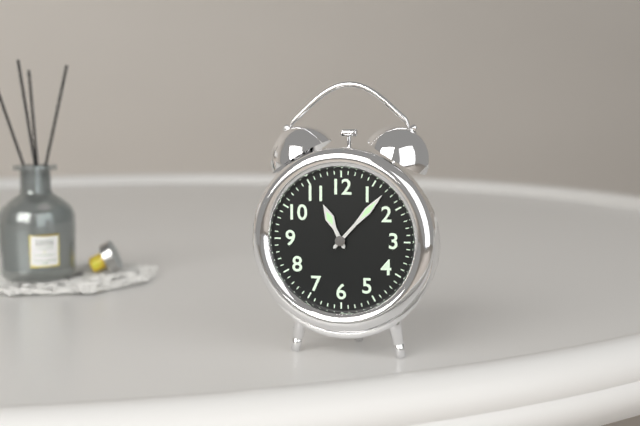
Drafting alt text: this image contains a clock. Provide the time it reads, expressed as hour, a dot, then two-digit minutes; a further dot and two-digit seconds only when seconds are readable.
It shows 11.07
